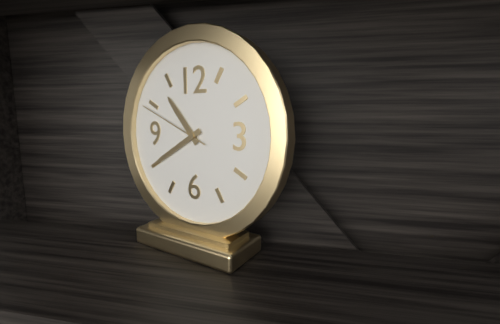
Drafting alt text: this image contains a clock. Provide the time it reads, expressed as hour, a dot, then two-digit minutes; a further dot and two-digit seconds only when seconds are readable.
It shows 10.40.49
